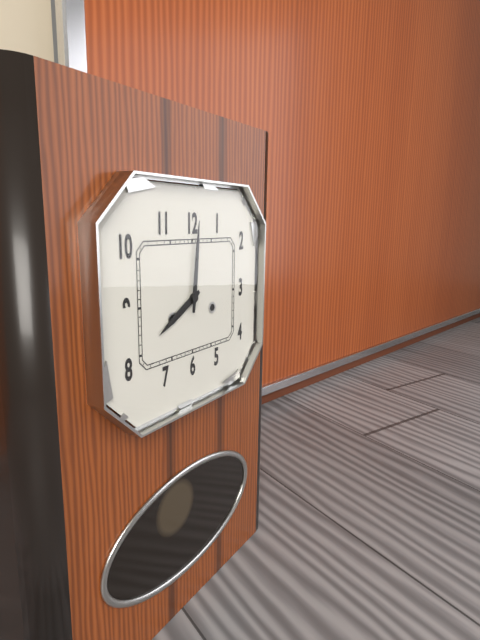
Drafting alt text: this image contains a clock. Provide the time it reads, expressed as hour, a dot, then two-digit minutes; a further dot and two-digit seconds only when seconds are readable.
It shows 8.01
